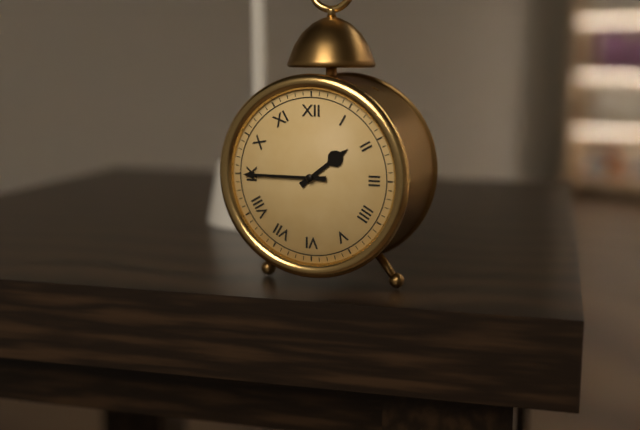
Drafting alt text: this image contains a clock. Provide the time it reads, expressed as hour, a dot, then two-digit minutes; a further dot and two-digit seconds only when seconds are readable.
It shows 1.45
